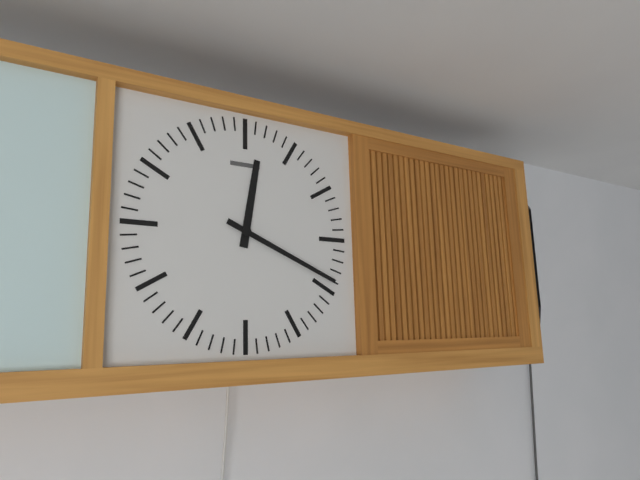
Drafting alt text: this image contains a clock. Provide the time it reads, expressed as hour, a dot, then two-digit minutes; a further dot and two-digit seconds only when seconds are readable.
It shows 12.19
